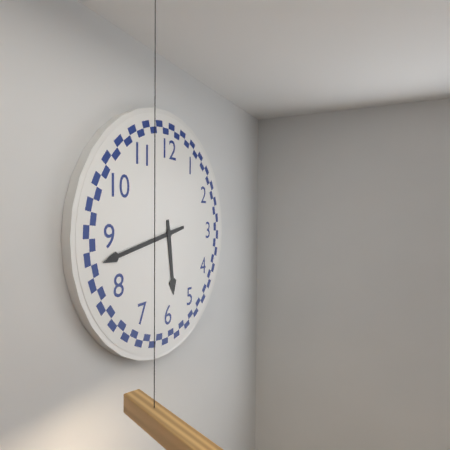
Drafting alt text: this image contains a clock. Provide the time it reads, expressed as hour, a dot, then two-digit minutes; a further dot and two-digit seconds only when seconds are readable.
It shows 5.43
